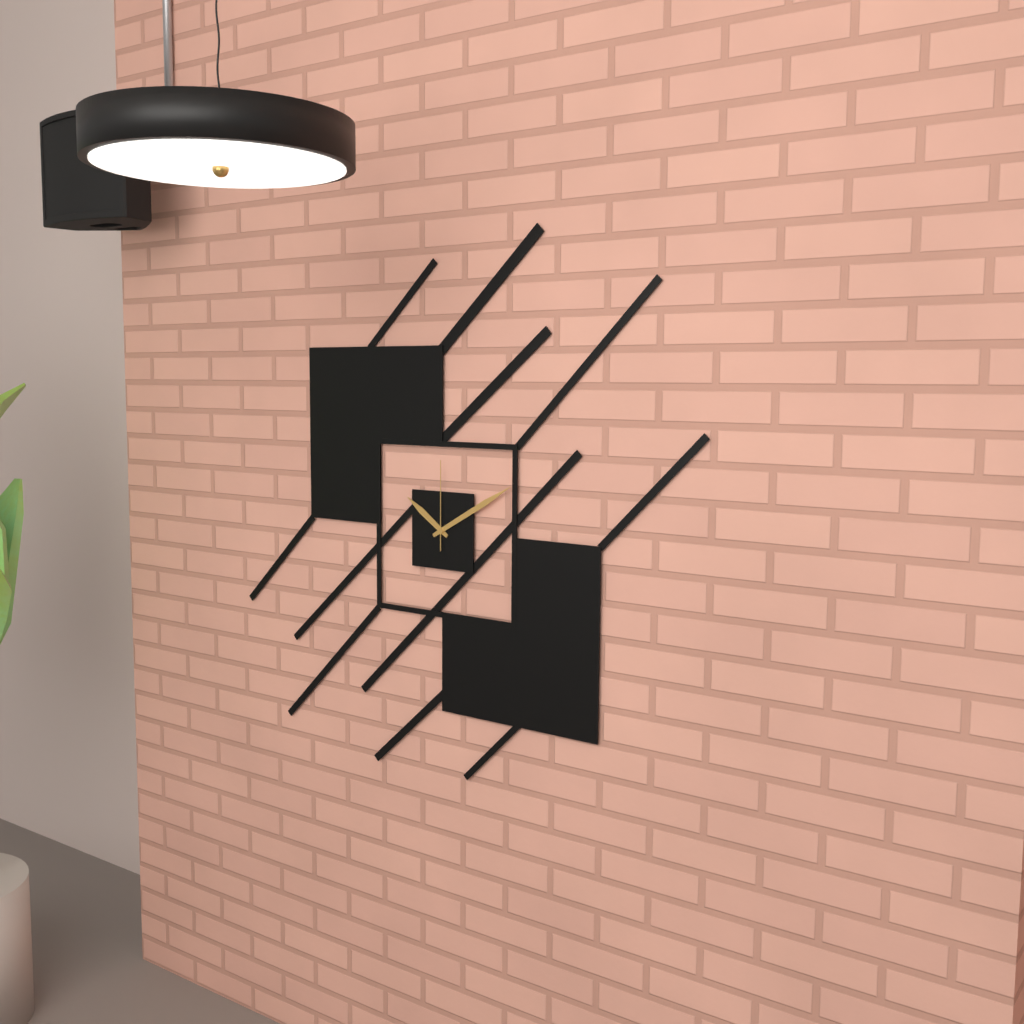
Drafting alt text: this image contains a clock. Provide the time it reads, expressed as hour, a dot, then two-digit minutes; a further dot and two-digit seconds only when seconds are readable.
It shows 10.10.00
